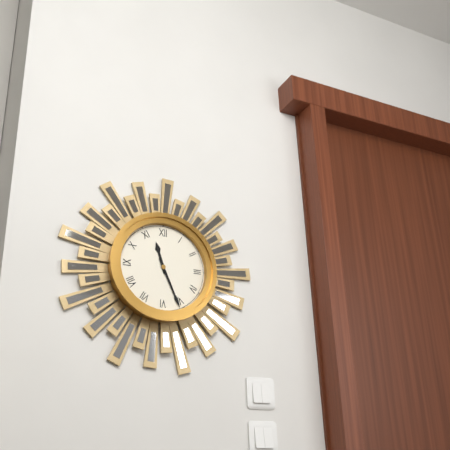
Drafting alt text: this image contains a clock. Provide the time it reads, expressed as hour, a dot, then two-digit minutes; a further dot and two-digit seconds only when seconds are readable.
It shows 11.26
